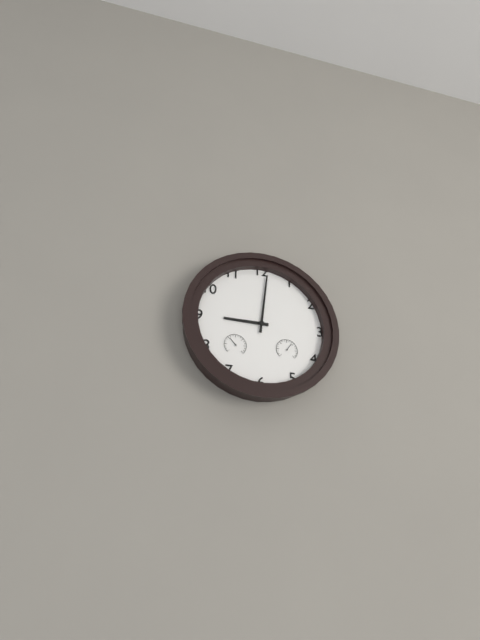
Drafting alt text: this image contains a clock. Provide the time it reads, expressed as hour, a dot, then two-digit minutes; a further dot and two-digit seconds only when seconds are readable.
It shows 9.01
